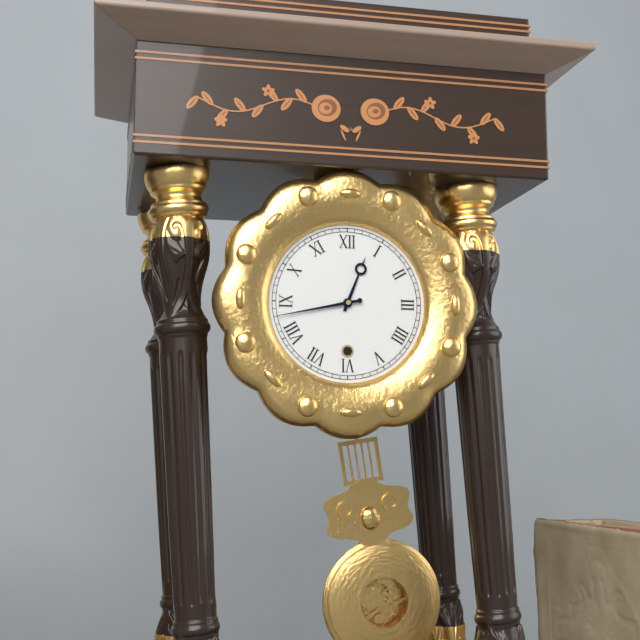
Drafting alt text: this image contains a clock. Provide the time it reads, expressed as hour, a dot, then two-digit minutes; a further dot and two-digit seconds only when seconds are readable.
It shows 12.43
